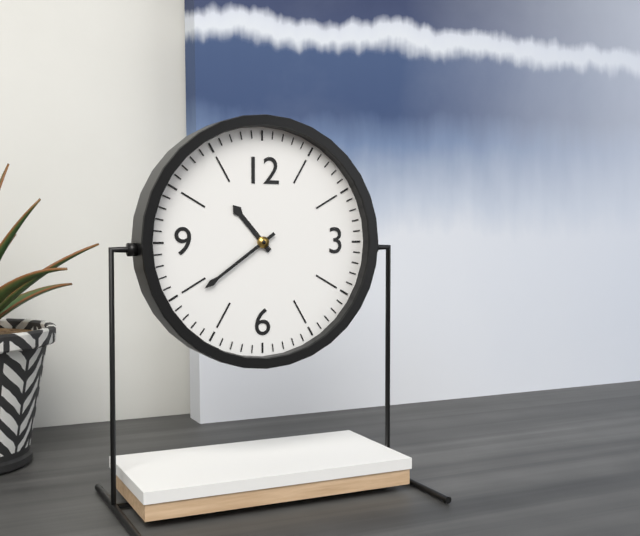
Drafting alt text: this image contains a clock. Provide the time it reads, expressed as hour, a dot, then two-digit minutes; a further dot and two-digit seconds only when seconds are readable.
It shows 10.39
